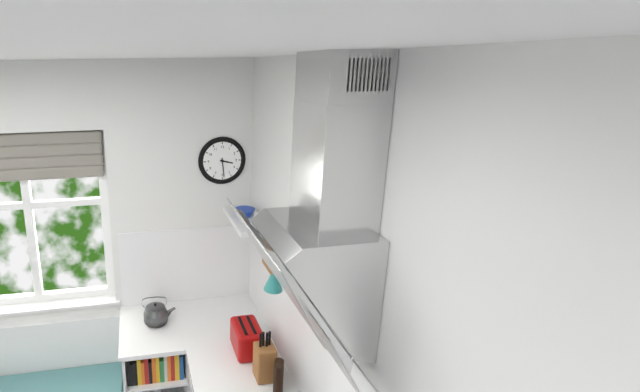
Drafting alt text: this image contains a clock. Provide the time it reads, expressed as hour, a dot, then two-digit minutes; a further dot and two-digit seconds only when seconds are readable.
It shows 3.29
